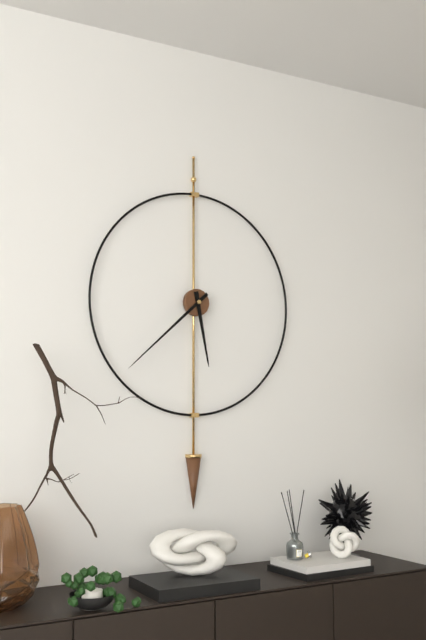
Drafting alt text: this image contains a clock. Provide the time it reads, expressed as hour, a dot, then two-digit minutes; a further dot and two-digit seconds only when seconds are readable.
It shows 5.38
